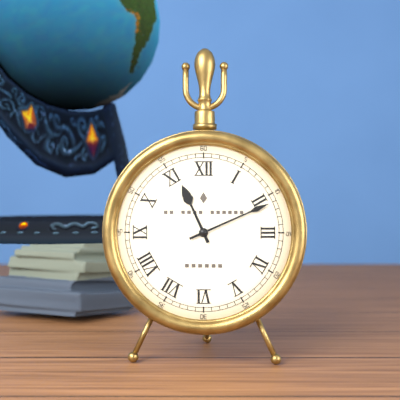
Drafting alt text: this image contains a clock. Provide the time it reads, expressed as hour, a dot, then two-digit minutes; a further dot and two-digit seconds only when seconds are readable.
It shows 11.11
